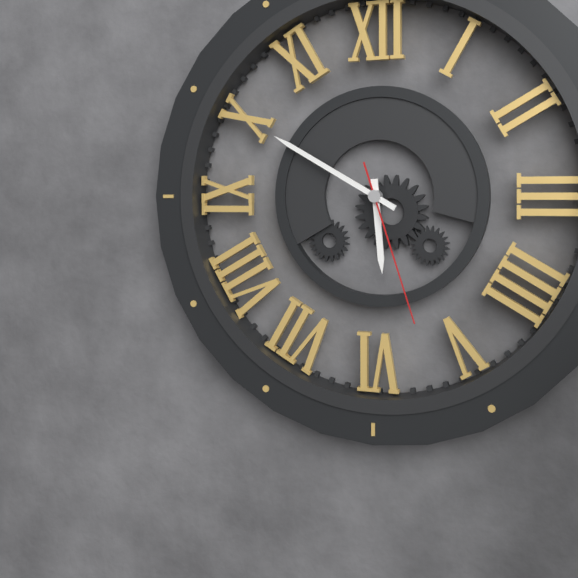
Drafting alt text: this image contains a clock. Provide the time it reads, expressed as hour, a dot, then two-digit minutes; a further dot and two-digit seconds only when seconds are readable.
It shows 5.50.27
